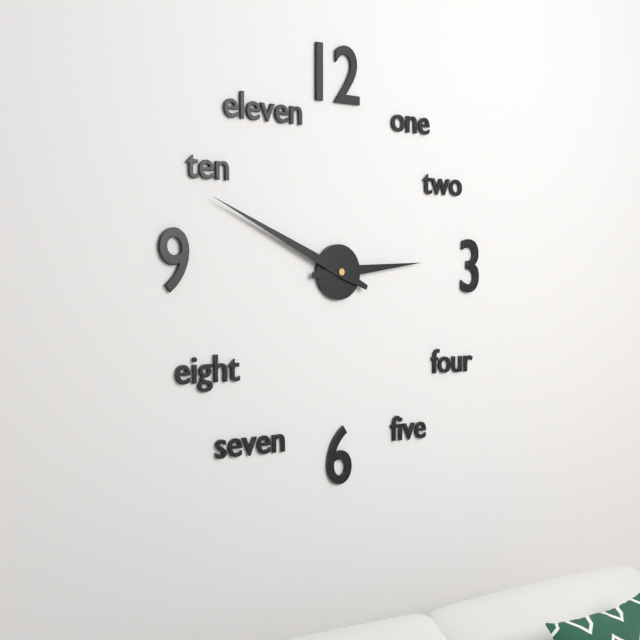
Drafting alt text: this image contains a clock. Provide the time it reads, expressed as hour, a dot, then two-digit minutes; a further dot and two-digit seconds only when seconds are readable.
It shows 2.49
